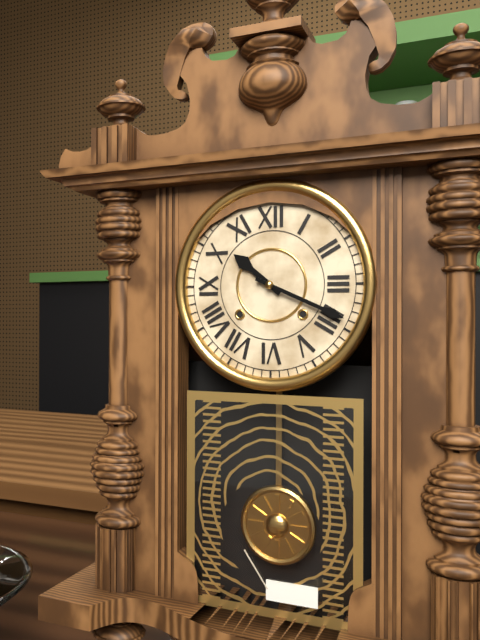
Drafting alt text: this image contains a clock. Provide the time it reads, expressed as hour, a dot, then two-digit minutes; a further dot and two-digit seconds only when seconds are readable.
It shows 10.19
